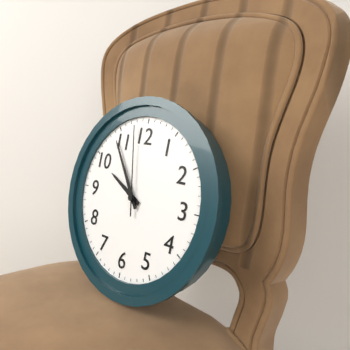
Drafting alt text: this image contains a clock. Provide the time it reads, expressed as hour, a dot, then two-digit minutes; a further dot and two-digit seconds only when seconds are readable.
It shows 9.54.58
